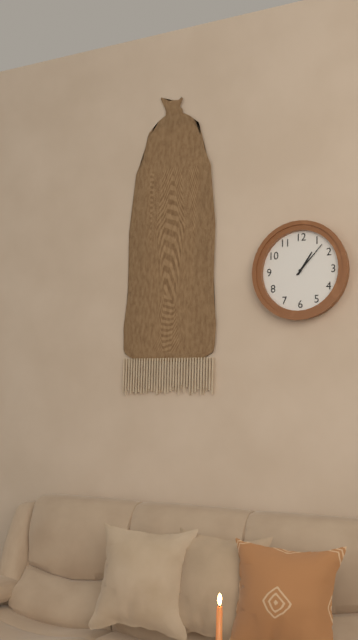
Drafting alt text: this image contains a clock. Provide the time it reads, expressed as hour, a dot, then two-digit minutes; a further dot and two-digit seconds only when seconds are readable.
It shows 1.07
